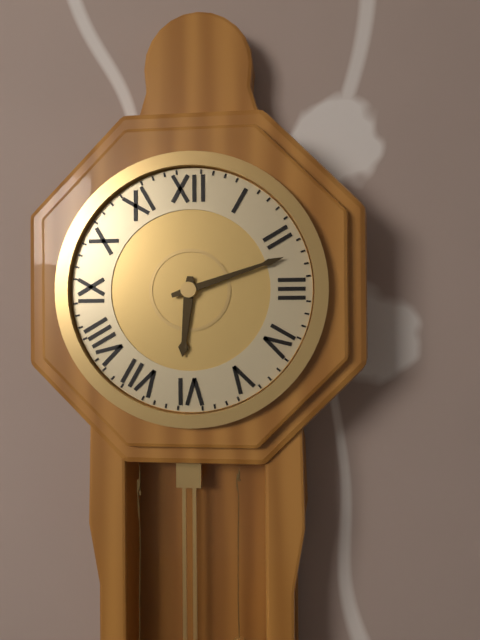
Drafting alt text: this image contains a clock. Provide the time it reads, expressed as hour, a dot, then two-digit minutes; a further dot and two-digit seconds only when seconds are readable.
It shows 6.12
